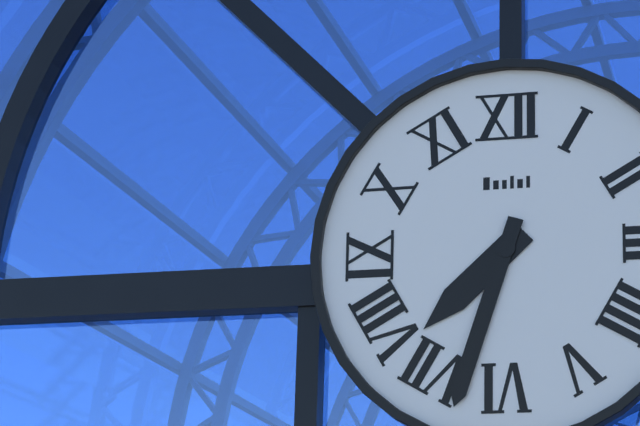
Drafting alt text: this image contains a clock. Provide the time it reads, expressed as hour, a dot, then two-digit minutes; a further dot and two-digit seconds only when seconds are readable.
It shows 7.33
